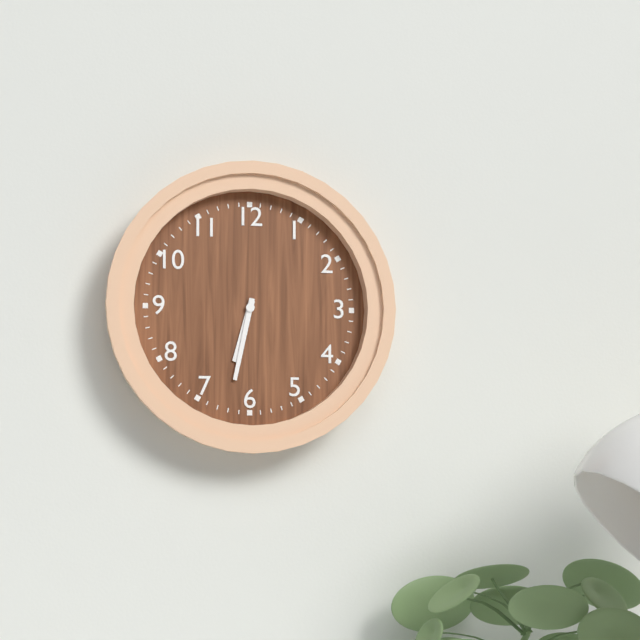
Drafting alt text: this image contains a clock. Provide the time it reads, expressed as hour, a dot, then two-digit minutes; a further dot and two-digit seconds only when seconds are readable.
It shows 6.32
